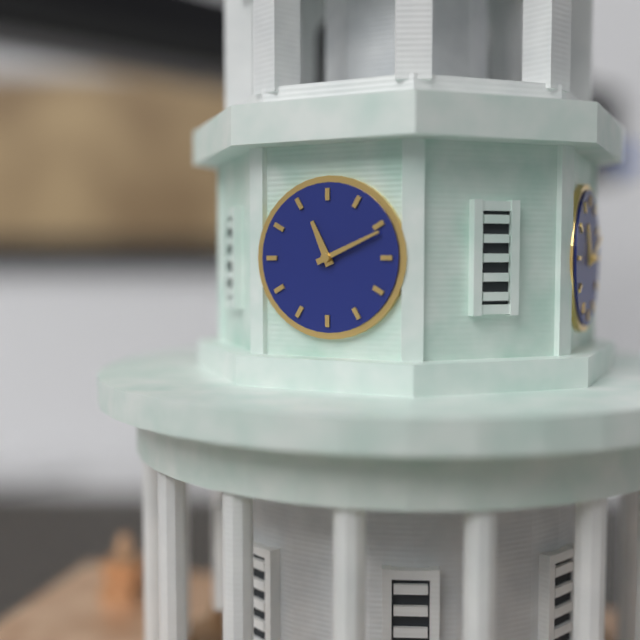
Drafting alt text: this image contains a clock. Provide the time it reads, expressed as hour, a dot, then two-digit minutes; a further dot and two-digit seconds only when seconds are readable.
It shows 11.11
